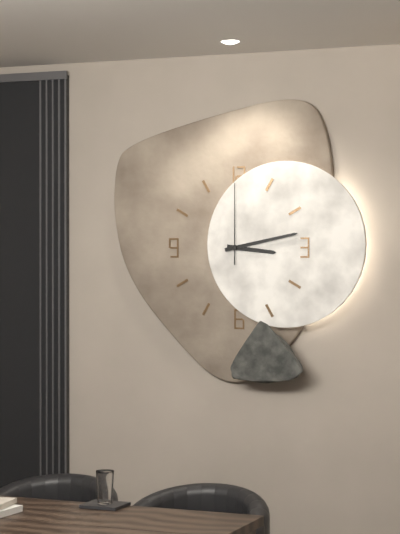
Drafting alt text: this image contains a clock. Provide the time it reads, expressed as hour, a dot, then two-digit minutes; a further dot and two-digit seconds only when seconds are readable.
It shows 3.13.00
